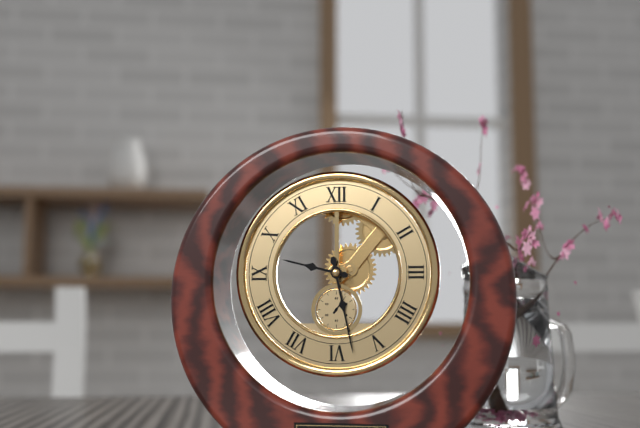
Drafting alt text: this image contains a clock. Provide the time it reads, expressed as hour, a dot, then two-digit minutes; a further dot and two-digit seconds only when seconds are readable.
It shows 9.28
